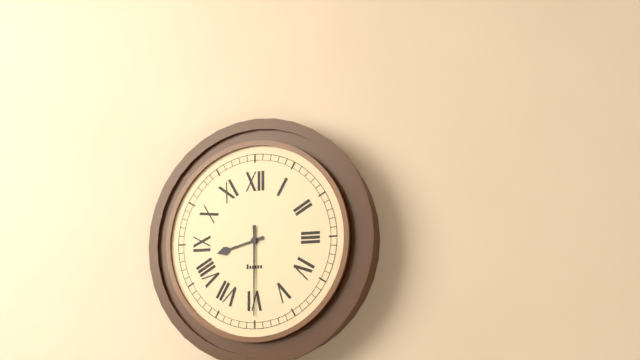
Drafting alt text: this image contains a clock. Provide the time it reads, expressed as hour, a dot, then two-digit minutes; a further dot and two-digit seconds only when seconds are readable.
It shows 8.30
